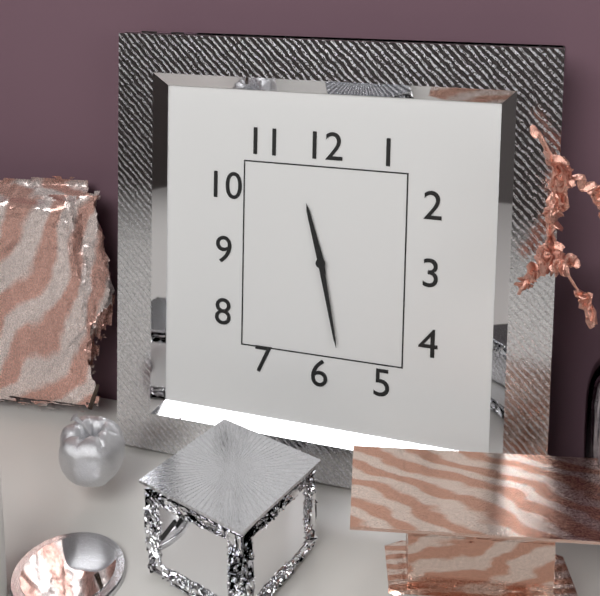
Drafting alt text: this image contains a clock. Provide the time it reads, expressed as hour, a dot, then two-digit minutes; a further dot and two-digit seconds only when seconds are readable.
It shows 11.28
